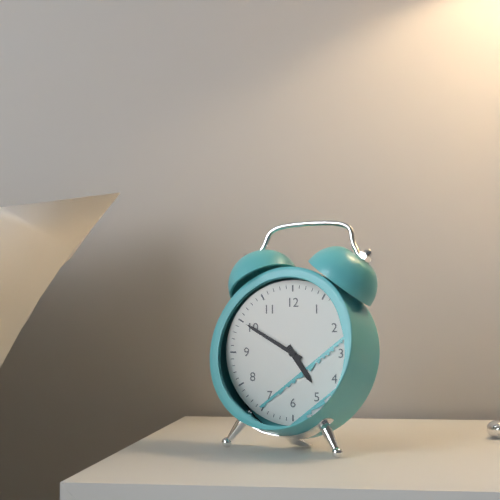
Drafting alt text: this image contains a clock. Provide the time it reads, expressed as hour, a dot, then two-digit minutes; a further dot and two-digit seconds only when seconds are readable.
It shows 4.50
